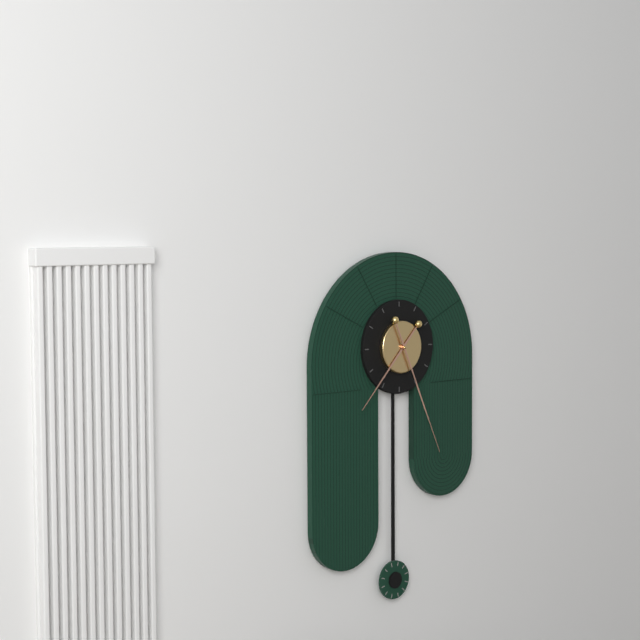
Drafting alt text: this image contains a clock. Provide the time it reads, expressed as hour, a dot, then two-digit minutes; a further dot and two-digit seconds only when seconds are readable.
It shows 7.26
